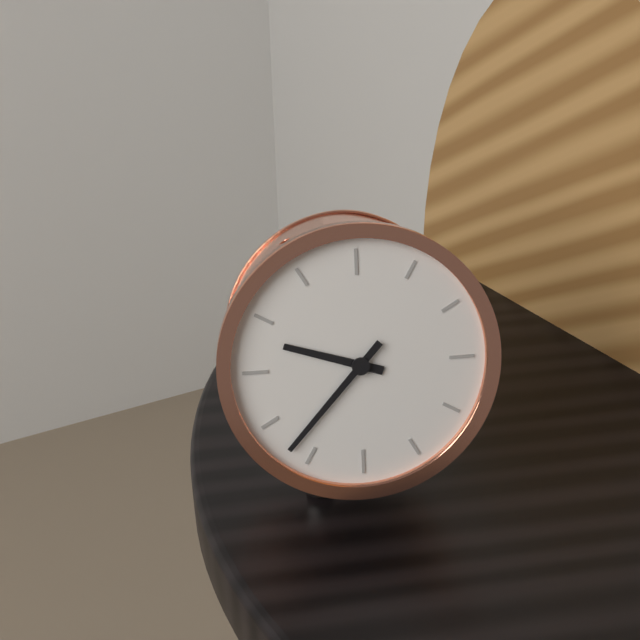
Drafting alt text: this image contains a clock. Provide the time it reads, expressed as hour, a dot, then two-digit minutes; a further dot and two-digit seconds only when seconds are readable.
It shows 9.37
